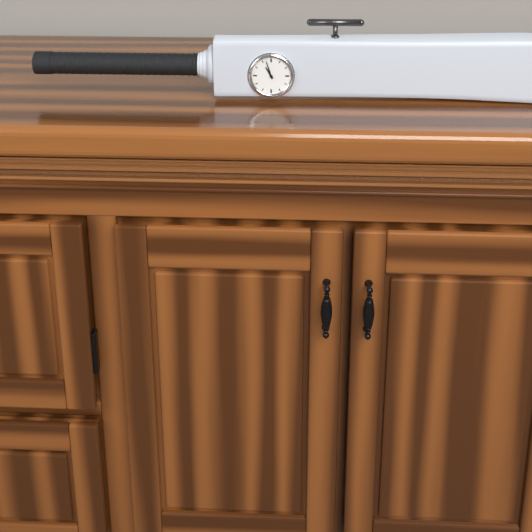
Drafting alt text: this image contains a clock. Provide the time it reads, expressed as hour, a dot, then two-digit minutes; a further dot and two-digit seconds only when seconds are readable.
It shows 10.57
